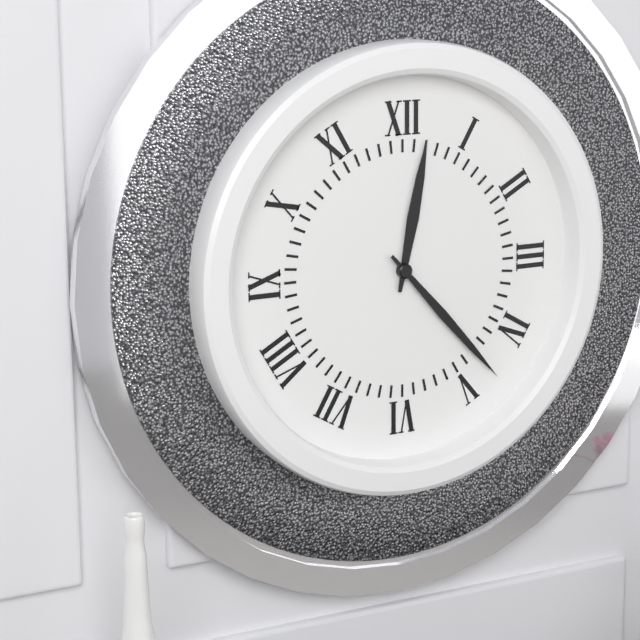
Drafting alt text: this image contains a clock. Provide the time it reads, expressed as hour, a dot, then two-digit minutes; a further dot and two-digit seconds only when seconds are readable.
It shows 12.23
